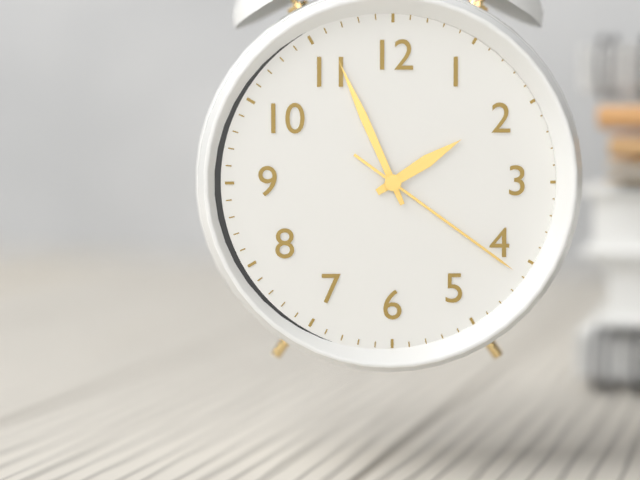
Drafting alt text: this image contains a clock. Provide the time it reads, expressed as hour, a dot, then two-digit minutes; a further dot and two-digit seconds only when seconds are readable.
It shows 1.56.21
